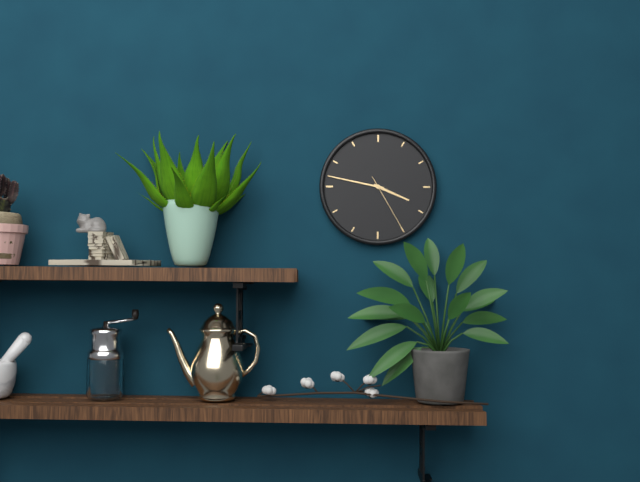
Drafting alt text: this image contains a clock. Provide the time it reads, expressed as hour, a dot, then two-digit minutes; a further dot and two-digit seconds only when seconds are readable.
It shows 3.47.25
